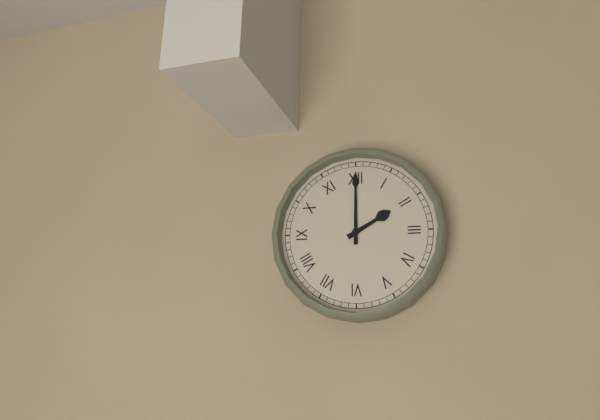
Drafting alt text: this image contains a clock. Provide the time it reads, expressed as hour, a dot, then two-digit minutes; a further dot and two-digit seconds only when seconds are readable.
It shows 2.00
